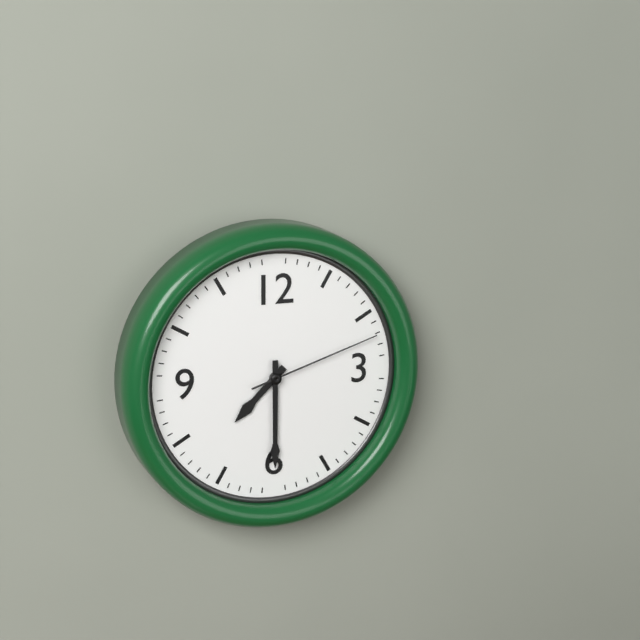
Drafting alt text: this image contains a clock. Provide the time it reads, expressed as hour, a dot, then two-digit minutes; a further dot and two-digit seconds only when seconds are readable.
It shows 7.30.12
